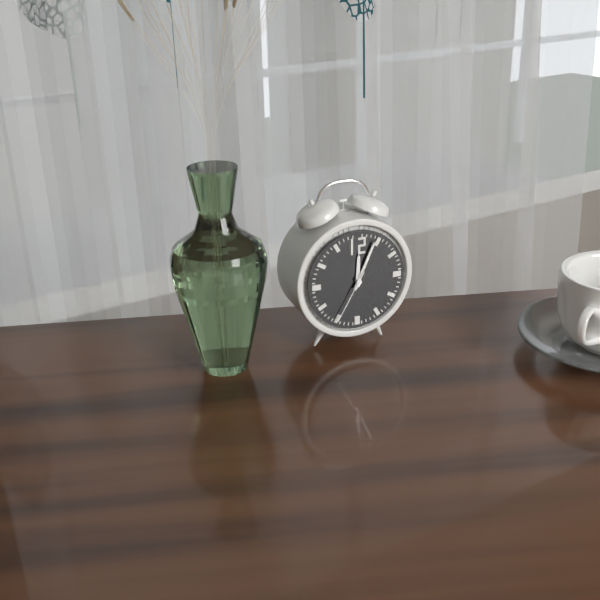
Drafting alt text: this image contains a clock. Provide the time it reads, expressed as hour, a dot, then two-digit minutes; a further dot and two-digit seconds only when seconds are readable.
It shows 12.04.35
